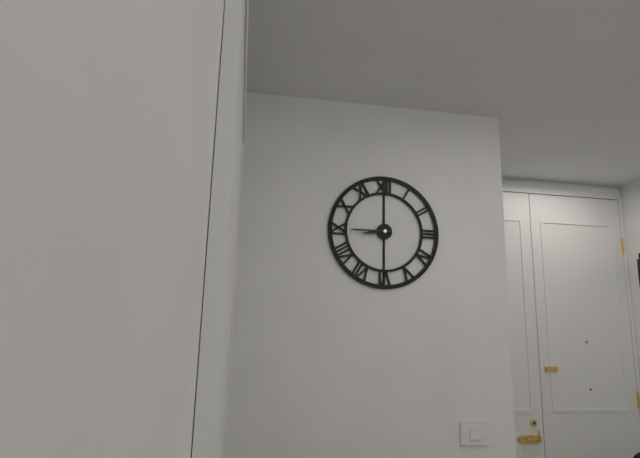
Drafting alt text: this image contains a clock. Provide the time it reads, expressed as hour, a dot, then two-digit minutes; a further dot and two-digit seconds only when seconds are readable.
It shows 8.45
